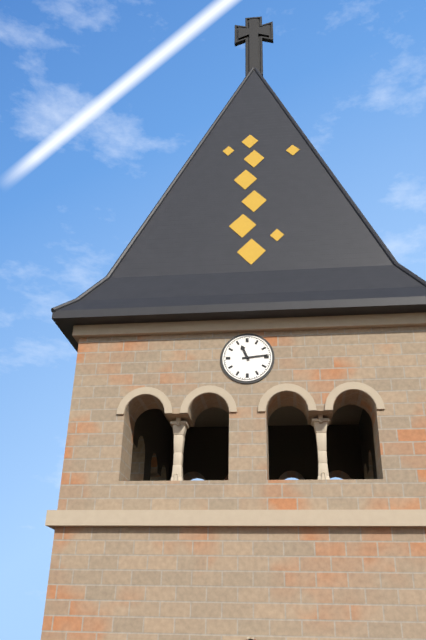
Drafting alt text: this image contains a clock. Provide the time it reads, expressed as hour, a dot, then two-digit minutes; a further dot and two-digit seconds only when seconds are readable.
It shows 11.14
